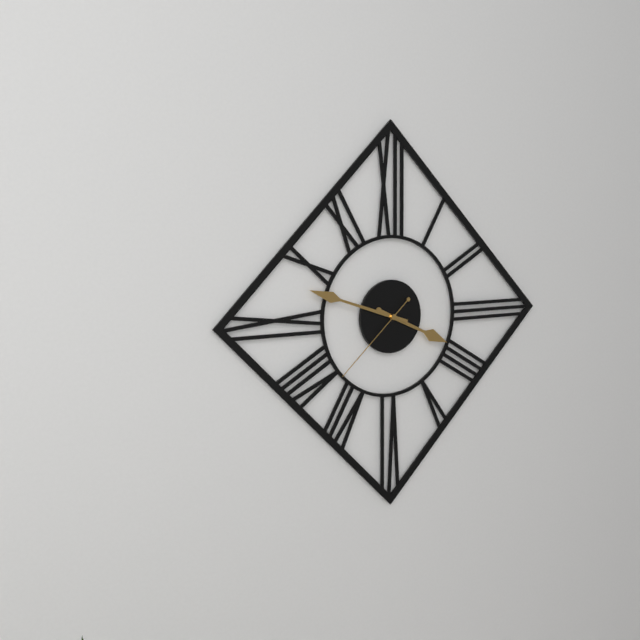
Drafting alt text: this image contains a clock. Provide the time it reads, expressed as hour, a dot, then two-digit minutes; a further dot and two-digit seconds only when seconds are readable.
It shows 3.48.38
